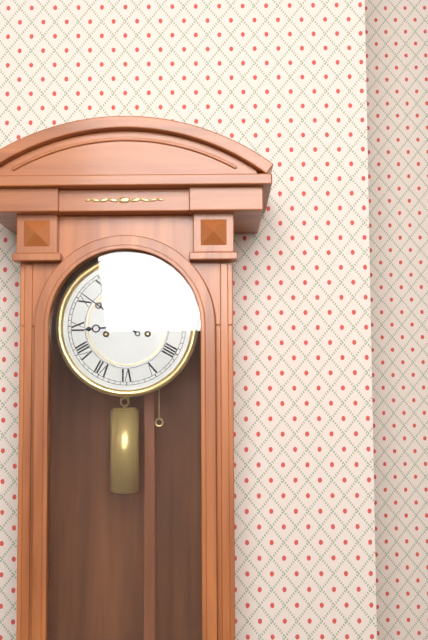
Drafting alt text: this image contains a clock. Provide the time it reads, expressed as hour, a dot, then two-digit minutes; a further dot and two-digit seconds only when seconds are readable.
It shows 8.51
